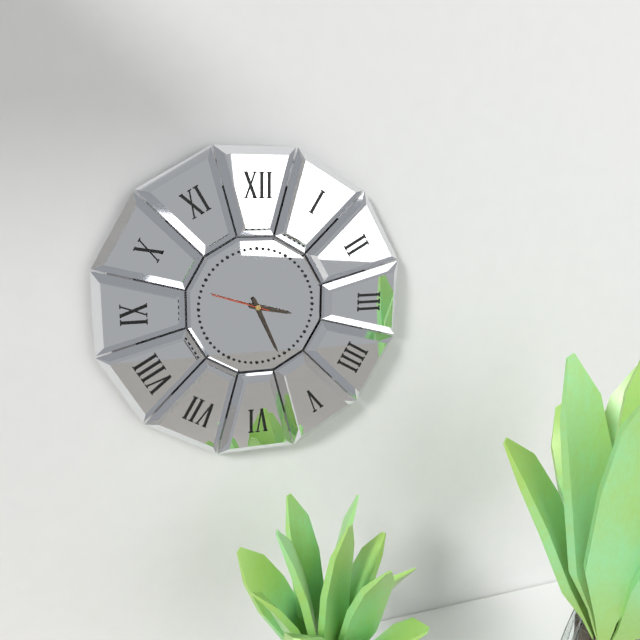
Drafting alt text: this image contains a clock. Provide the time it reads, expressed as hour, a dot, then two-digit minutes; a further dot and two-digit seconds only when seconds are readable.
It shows 3.26.48
